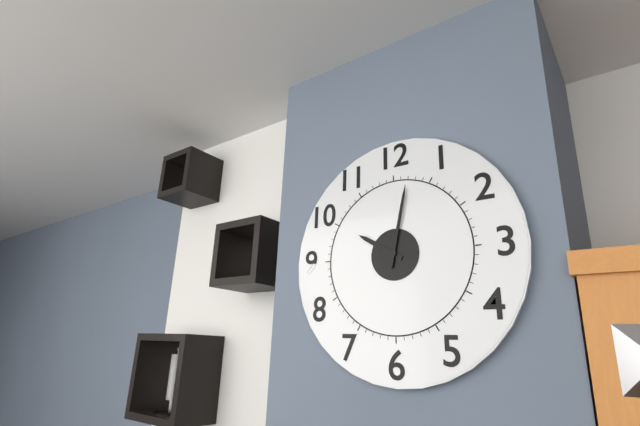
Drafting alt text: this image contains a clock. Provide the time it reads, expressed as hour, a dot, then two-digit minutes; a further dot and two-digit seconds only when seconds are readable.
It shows 10.02
